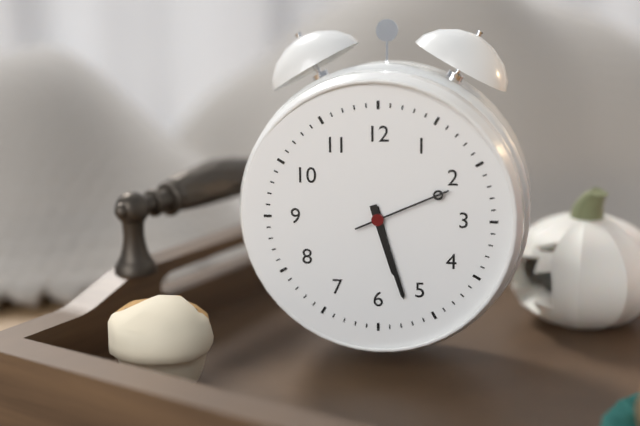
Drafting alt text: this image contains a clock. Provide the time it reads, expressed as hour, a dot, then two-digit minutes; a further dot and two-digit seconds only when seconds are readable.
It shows 5.27.11
